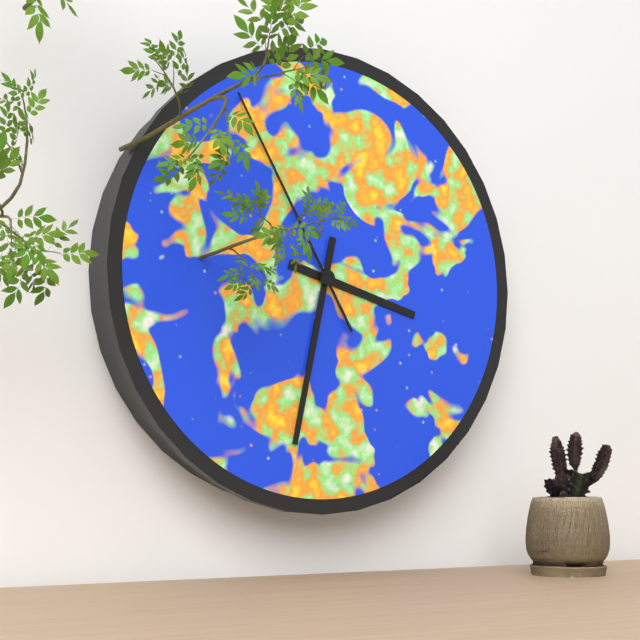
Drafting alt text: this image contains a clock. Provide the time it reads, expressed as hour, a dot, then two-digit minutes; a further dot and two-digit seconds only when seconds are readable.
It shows 3.32.55
